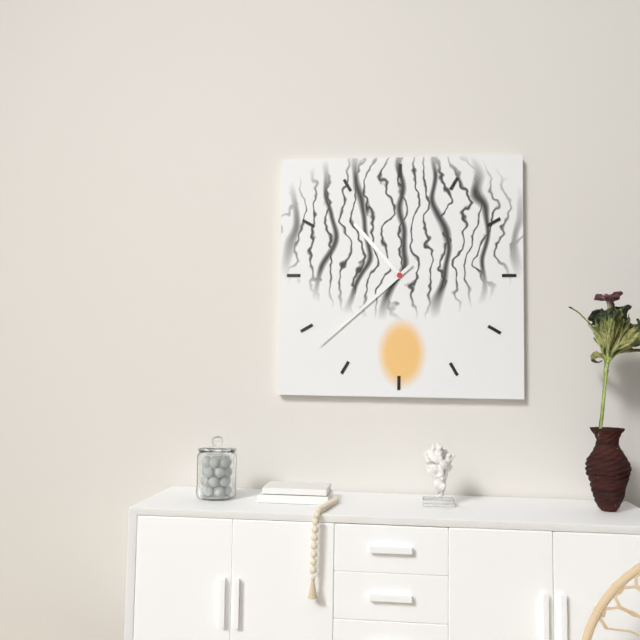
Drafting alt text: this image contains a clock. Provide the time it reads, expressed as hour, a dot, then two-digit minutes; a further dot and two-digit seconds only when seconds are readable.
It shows 10.38
